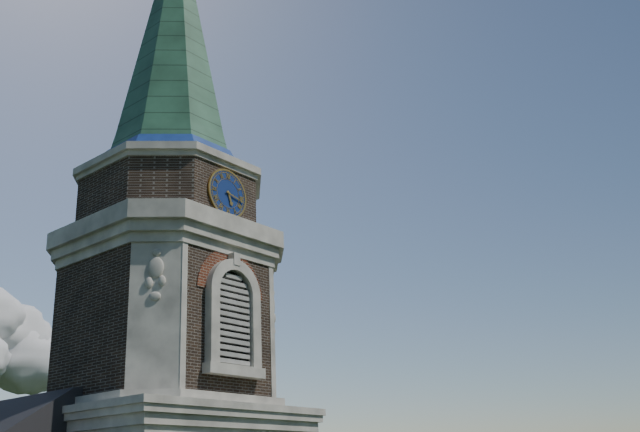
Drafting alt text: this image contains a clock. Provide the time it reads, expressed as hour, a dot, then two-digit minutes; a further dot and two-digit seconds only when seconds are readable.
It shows 5.17
